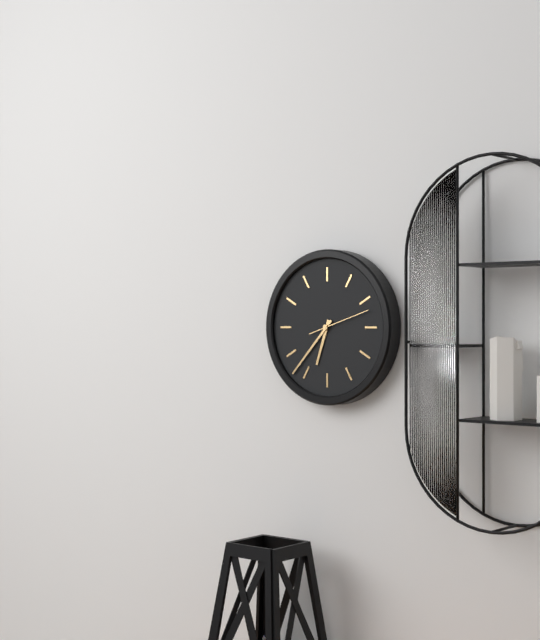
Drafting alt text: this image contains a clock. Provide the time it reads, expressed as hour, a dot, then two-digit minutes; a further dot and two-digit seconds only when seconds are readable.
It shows 6.37.12
